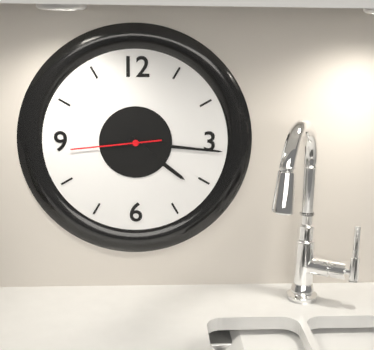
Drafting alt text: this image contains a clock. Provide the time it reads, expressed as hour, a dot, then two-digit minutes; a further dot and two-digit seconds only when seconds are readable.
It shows 4.16.44
